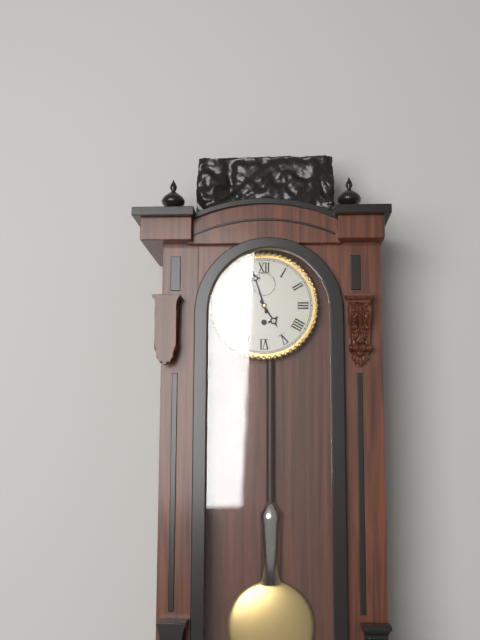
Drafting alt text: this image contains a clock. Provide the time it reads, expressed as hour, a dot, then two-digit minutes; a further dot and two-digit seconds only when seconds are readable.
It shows 4.57
